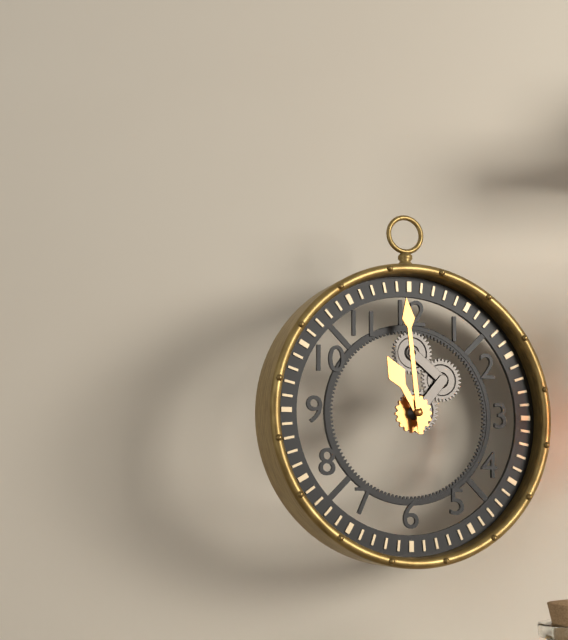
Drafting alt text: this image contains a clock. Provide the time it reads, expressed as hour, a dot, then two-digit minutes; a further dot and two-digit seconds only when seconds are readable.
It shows 10.59
